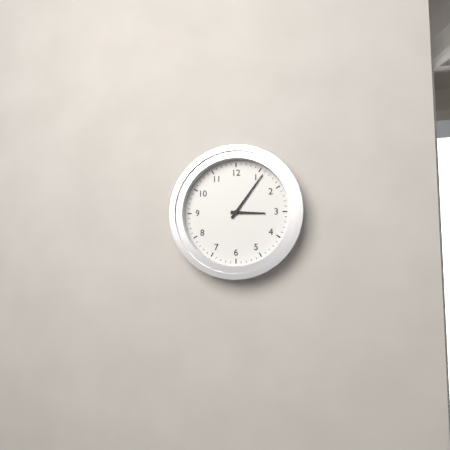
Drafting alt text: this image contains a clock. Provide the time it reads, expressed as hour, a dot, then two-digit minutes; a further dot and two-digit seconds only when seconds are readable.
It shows 3.06
